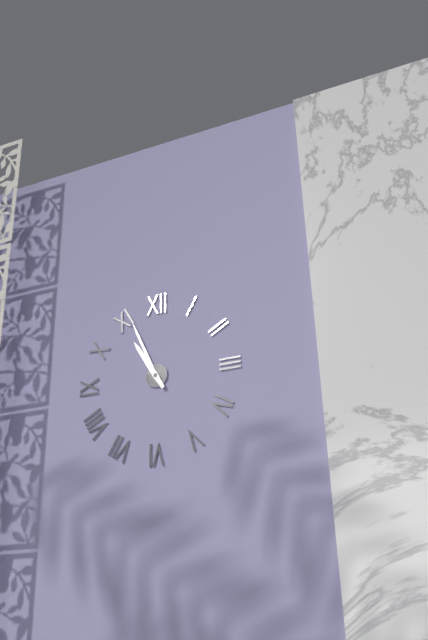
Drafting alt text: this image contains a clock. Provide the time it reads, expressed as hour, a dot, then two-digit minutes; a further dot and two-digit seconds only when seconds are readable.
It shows 10.56
